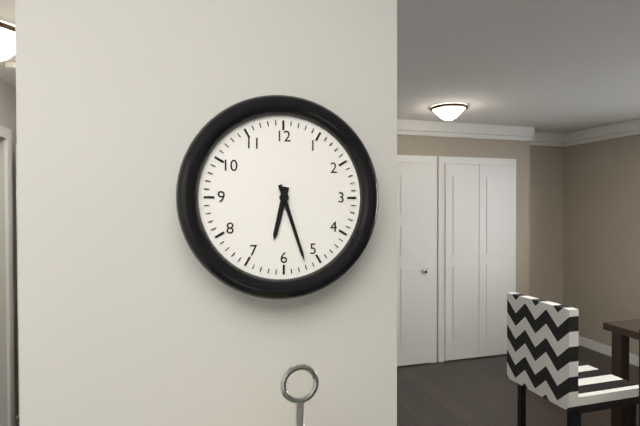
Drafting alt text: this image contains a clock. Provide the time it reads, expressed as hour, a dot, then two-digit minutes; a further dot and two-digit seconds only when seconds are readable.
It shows 6.27
